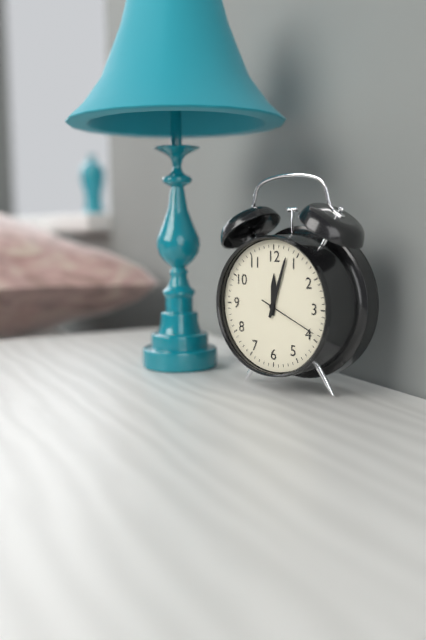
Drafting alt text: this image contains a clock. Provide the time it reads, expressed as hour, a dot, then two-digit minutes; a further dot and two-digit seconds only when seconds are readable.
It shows 12.03.19
